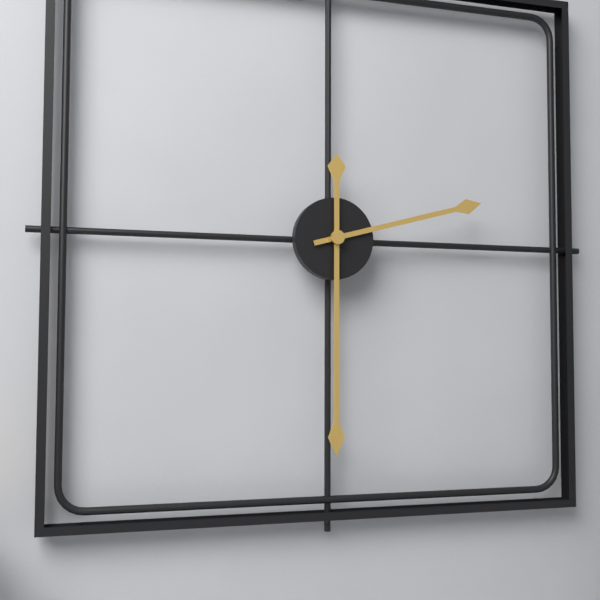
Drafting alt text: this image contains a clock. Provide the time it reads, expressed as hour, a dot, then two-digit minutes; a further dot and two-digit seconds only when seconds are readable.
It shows 2.30
